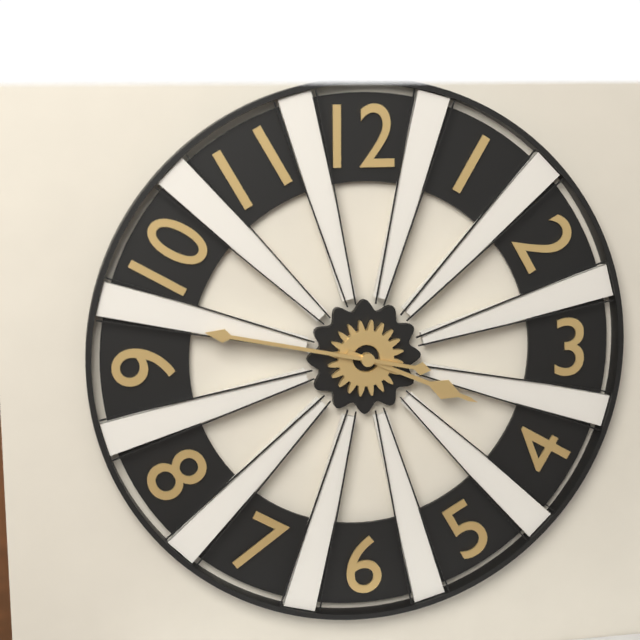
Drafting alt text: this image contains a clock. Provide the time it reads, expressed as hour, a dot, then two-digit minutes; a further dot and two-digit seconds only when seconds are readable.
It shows 3.47
